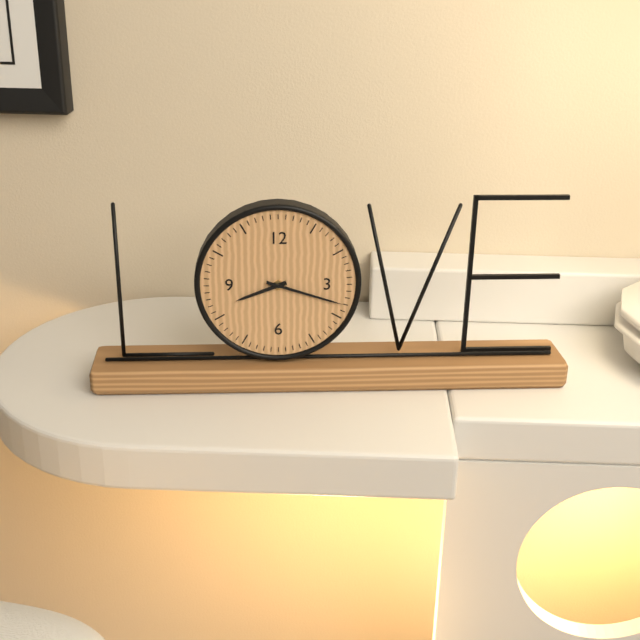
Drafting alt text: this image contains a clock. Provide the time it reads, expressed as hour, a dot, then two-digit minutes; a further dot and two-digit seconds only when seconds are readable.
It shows 8.18
